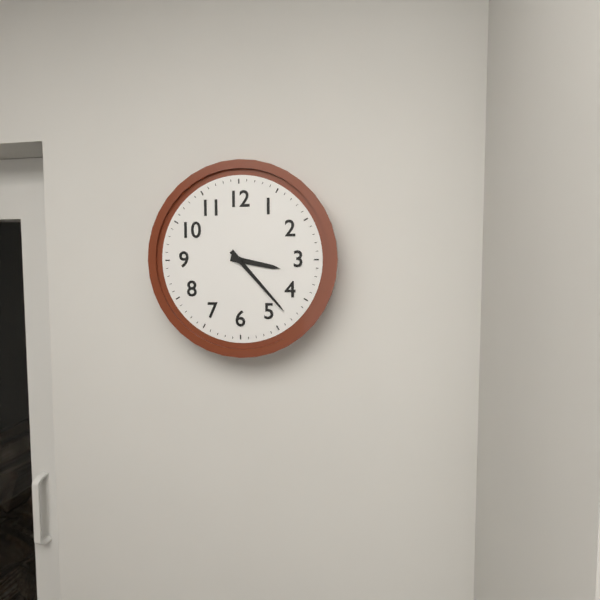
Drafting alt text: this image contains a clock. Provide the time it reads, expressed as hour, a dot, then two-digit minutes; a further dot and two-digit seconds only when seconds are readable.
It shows 3.23
